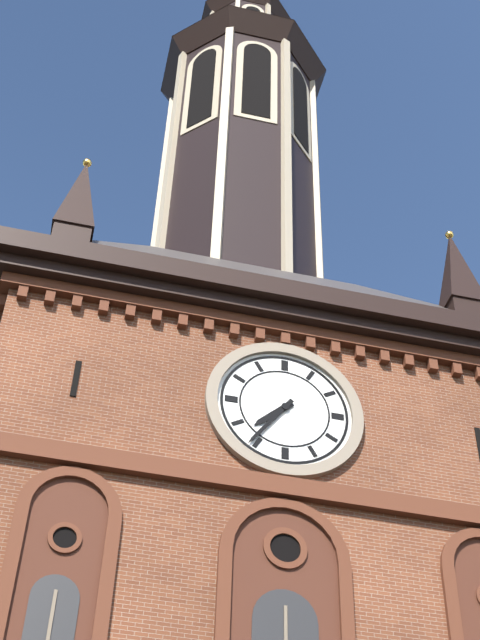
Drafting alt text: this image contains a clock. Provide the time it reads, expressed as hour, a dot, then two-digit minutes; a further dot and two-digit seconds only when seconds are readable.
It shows 7.36
